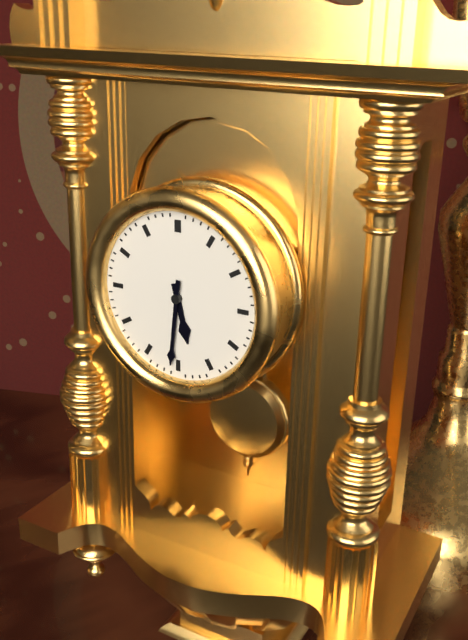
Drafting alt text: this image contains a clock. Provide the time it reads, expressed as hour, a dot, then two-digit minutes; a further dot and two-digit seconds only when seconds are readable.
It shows 5.31
